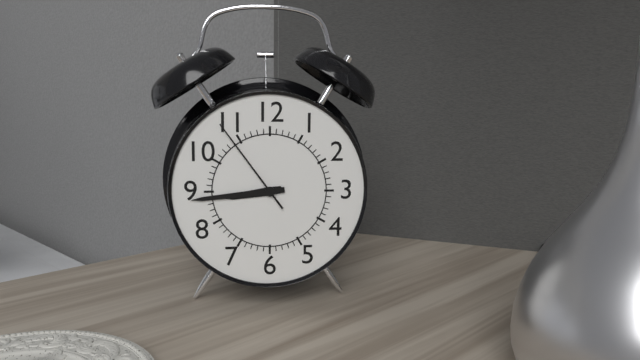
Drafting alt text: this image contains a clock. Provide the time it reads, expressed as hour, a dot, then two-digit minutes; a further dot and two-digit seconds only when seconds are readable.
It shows 8.44.54
